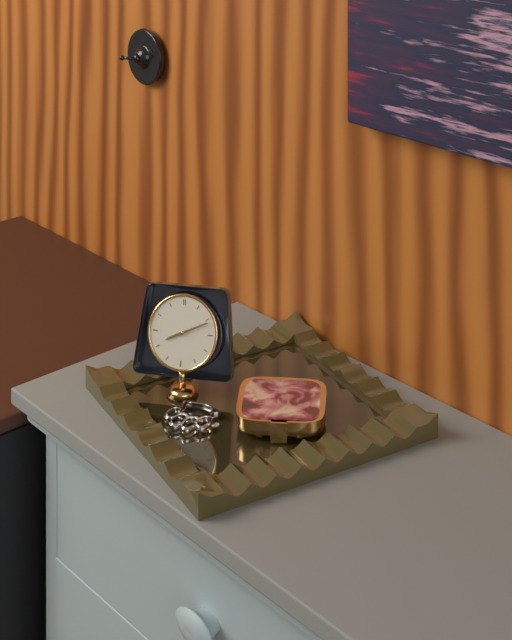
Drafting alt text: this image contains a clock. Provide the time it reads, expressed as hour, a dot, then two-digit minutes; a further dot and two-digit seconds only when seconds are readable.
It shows 8.11
